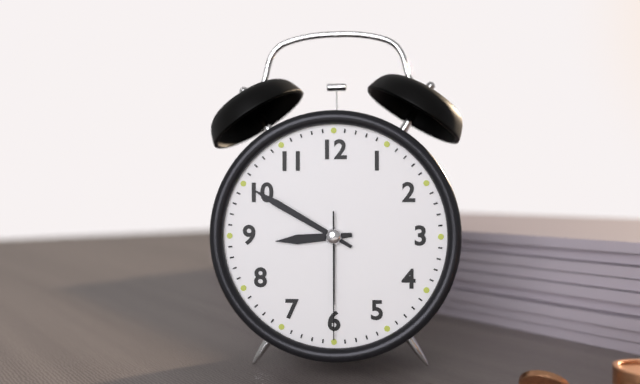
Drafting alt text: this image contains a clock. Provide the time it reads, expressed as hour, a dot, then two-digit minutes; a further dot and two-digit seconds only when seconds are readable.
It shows 8.50.30
